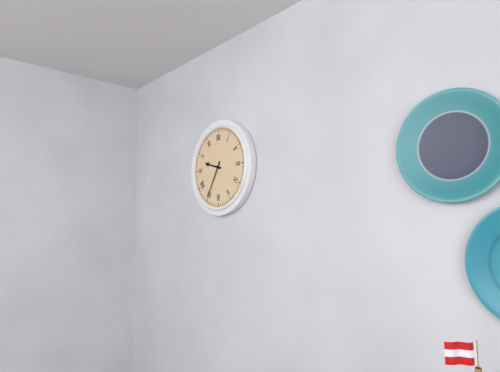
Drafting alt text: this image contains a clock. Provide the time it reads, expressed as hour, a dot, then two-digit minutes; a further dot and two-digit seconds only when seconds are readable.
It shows 9.35
